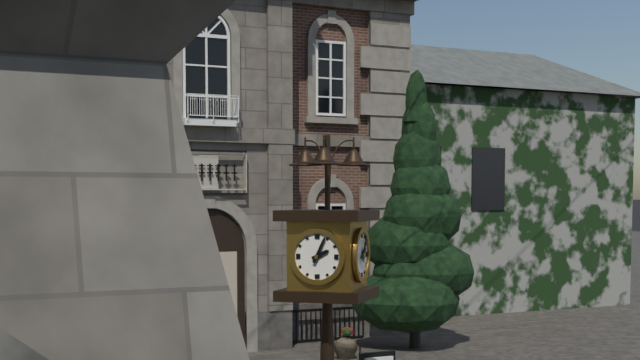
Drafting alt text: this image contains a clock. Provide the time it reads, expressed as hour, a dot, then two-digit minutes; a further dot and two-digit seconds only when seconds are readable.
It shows 2.04
